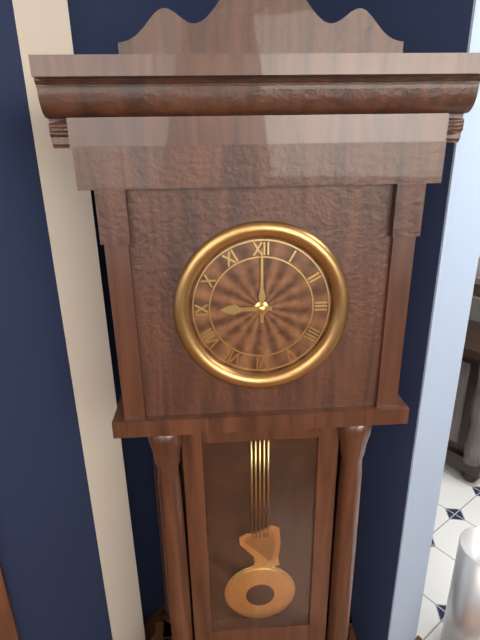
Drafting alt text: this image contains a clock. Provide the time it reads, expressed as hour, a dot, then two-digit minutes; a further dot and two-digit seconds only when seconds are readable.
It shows 9.00
